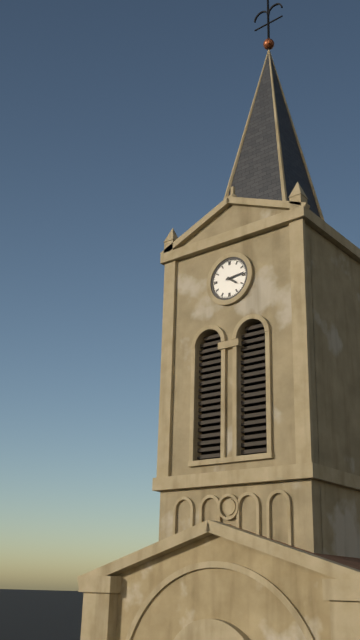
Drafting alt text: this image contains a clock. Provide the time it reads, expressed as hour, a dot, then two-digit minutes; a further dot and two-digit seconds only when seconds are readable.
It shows 4.14
